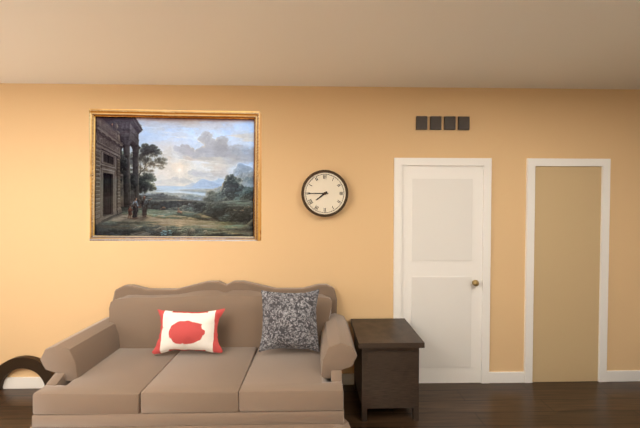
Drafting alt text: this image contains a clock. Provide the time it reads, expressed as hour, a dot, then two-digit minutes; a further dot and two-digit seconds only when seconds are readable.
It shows 7.45
